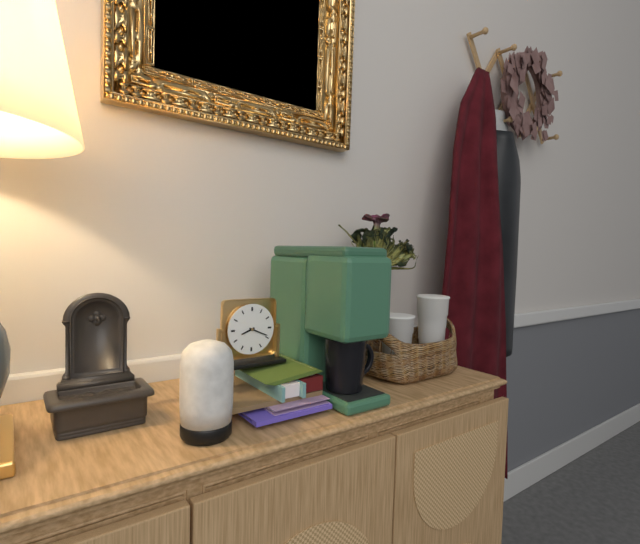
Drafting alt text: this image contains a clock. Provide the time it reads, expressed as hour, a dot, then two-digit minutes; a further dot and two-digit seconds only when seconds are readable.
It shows 8.19
